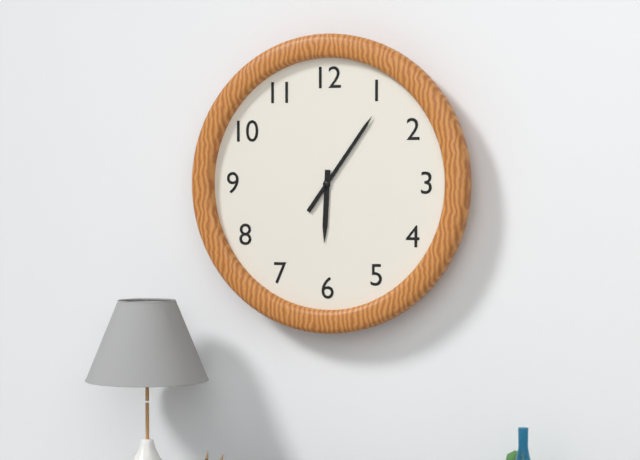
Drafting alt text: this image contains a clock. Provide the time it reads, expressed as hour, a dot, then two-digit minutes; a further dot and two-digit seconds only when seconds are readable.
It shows 6.06
